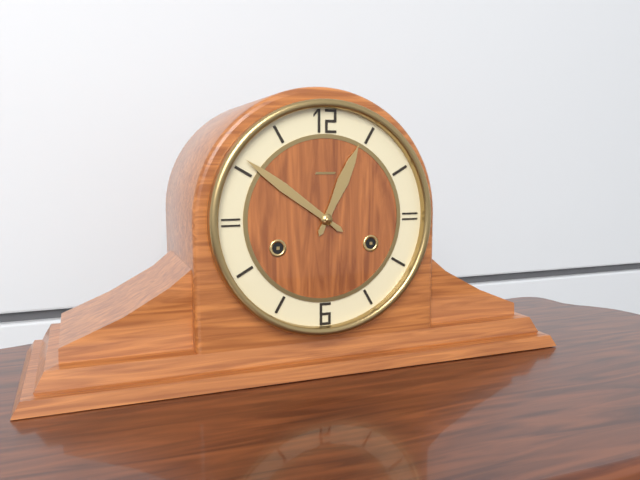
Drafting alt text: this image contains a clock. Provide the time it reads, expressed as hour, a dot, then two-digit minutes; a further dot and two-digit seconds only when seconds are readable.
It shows 12.51
